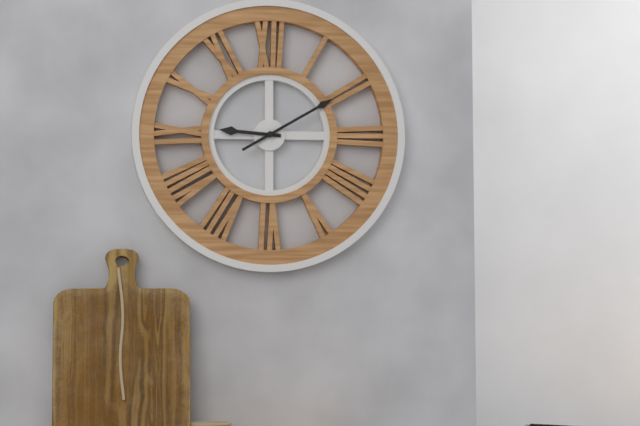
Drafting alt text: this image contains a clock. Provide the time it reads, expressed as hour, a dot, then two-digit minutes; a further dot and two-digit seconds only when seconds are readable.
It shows 9.10
